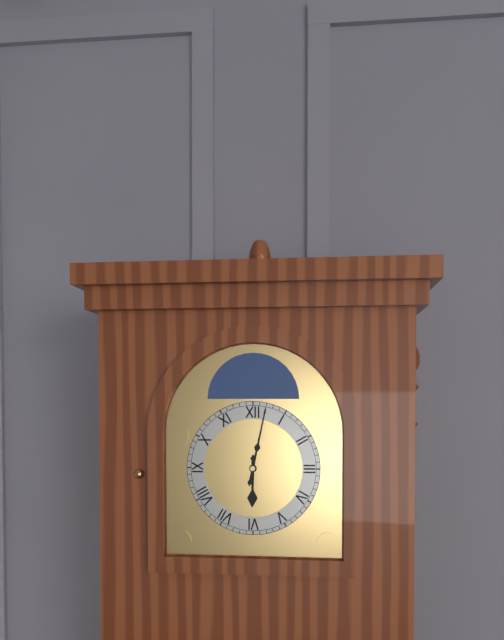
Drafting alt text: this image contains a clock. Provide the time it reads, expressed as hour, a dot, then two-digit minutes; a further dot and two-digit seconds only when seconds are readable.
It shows 6.02
